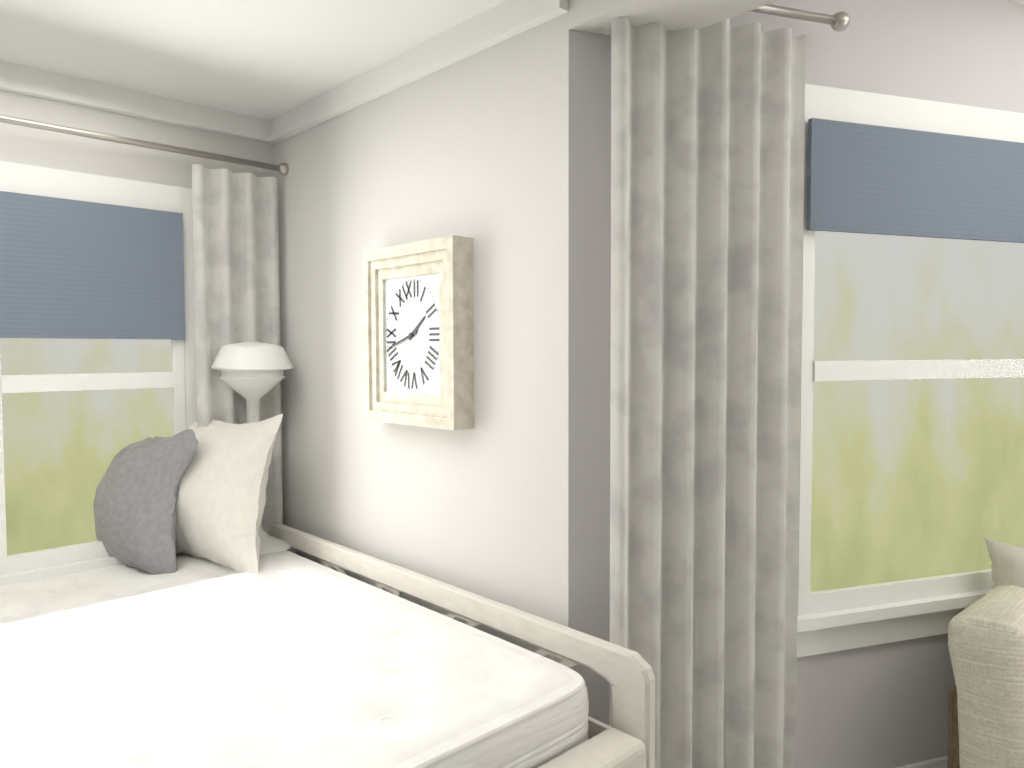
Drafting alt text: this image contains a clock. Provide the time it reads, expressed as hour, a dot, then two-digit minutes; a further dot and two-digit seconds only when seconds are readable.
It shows 1.42
